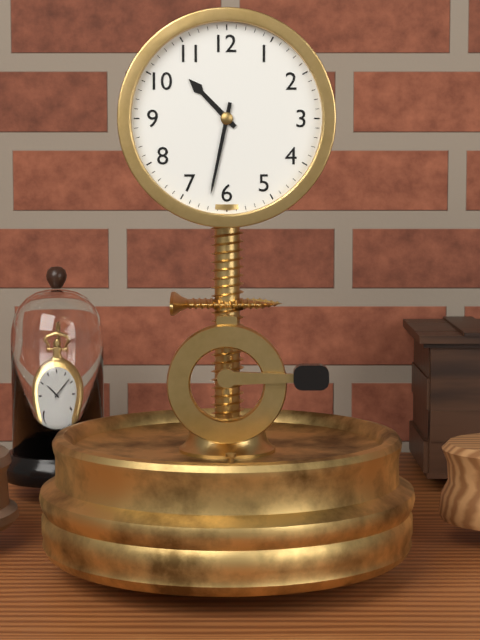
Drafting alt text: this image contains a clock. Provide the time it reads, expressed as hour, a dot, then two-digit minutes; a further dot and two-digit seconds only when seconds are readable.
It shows 10.32
